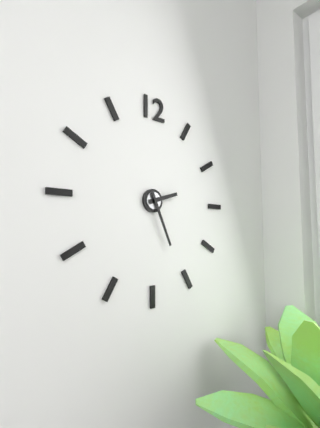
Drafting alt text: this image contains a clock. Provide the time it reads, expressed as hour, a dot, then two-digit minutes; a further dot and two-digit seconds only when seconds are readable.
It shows 2.26
